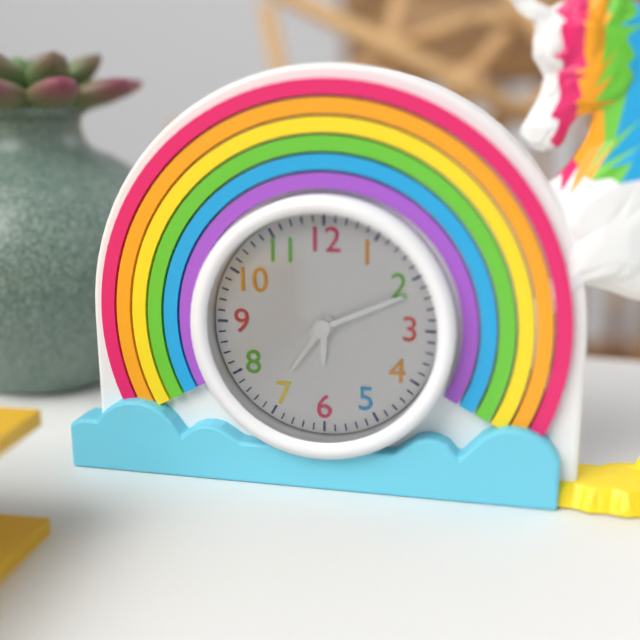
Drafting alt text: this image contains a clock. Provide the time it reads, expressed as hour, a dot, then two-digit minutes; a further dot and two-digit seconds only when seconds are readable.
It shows 7.11
